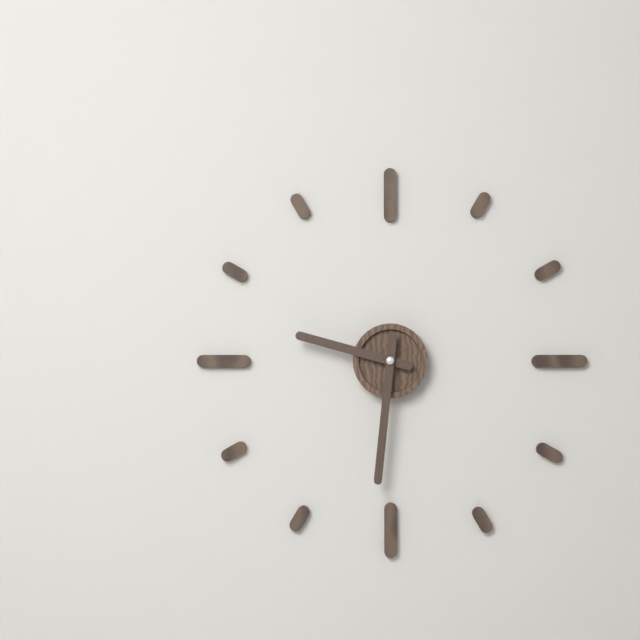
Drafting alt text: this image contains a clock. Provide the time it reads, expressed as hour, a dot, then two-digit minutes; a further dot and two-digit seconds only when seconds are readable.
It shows 9.31
